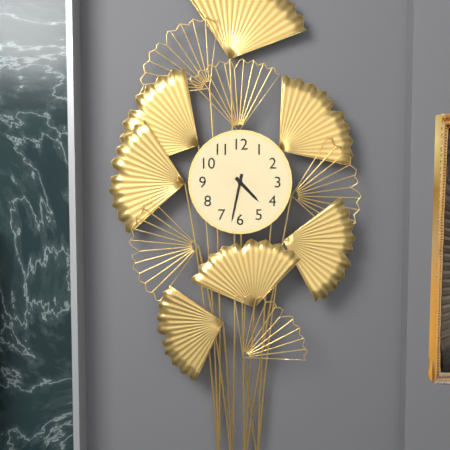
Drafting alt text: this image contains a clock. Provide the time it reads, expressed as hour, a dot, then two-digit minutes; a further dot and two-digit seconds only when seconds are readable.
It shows 4.32
